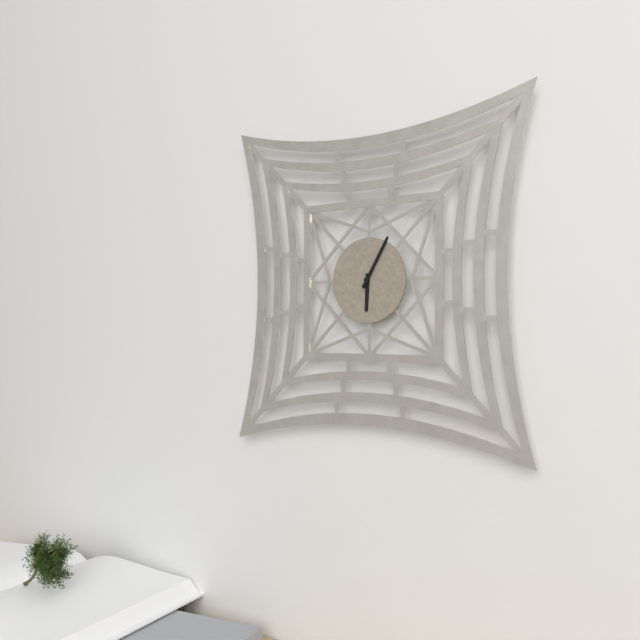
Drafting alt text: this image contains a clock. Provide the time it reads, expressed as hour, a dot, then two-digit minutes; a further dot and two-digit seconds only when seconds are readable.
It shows 6.05
